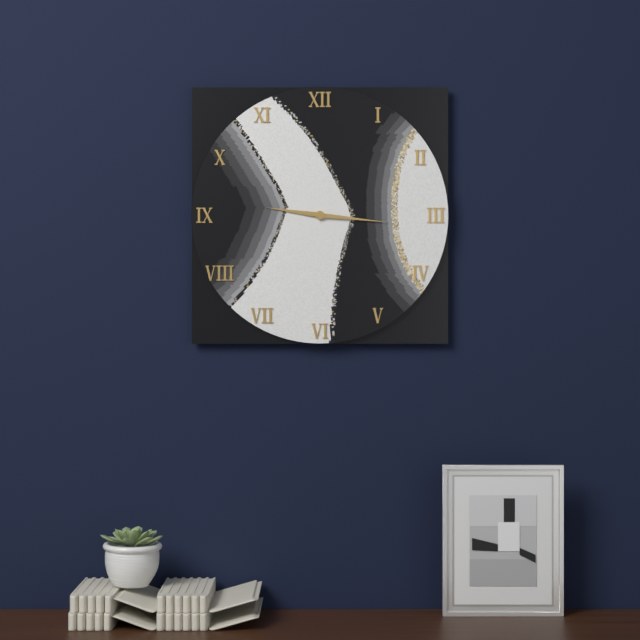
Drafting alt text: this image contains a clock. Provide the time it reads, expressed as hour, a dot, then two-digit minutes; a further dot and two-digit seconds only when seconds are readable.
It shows 9.16
